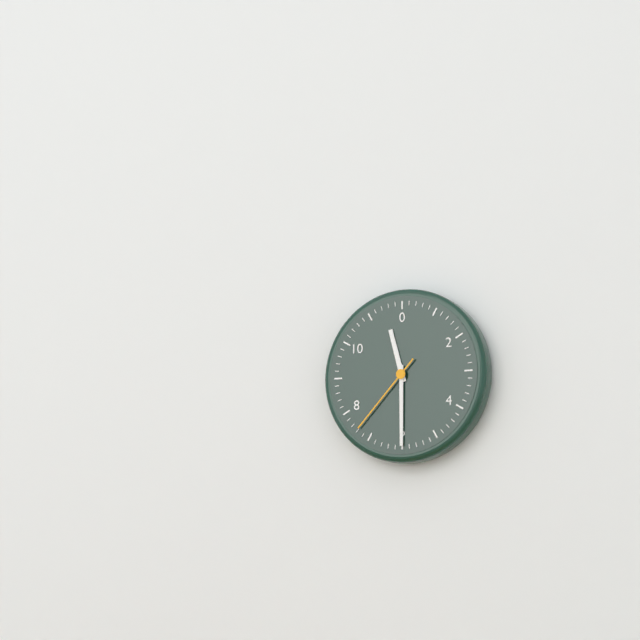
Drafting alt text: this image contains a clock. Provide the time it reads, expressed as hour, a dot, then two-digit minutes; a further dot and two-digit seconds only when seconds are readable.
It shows 11.30.37
